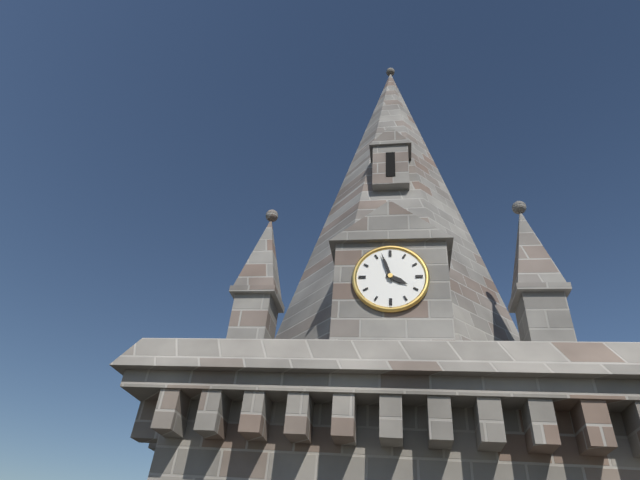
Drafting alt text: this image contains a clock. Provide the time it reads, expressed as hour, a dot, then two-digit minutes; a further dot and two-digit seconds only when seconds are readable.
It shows 3.57
